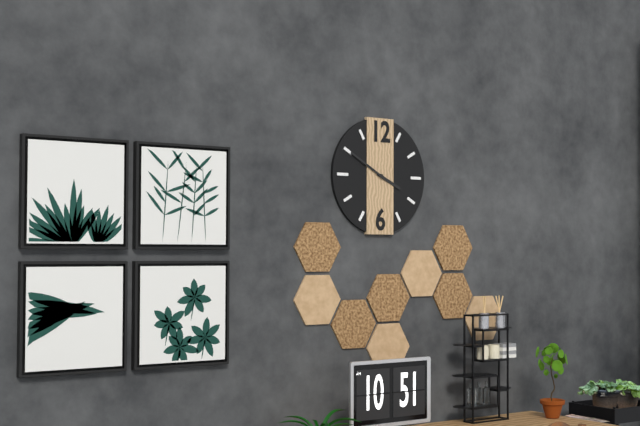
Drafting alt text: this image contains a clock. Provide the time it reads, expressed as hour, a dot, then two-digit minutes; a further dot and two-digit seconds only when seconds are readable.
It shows 3.50
